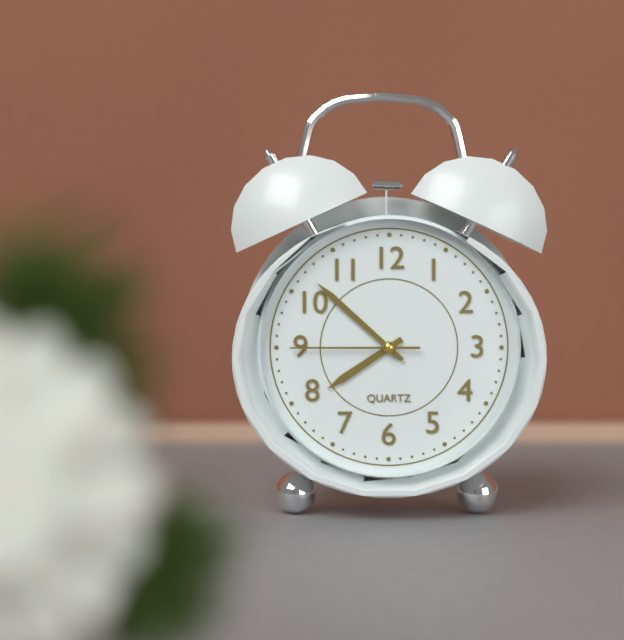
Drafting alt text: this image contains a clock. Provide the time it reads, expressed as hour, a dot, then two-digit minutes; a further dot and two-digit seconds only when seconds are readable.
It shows 7.52.45
